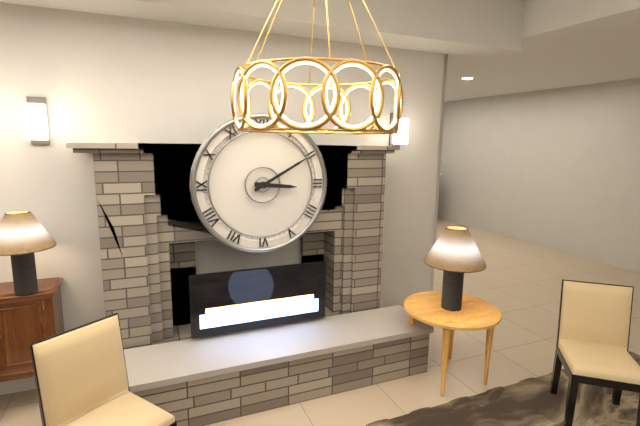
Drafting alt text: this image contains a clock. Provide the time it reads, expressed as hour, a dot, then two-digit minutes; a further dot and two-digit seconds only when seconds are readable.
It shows 3.10
